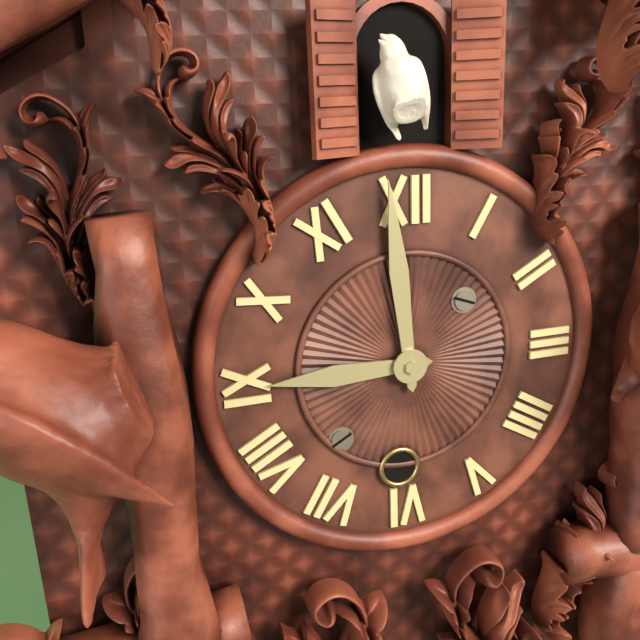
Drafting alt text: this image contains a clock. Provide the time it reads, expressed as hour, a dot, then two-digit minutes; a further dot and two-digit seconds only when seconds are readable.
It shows 8.59
